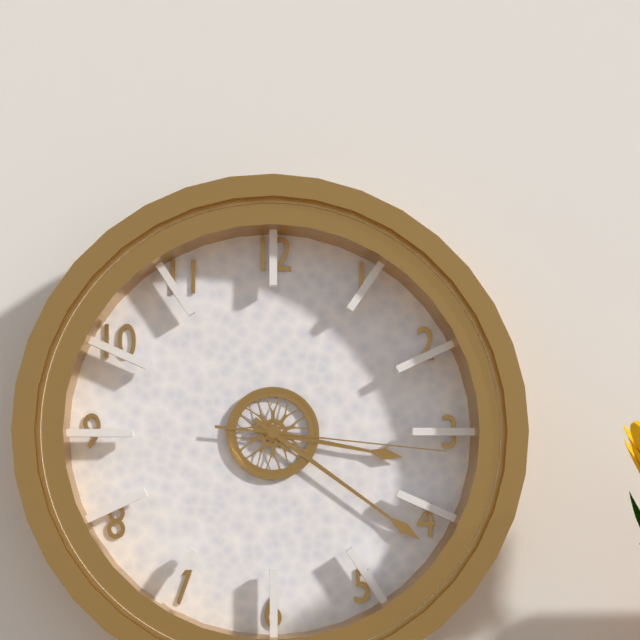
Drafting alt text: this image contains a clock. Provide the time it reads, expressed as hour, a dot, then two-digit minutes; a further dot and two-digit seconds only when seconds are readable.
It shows 3.21.16
